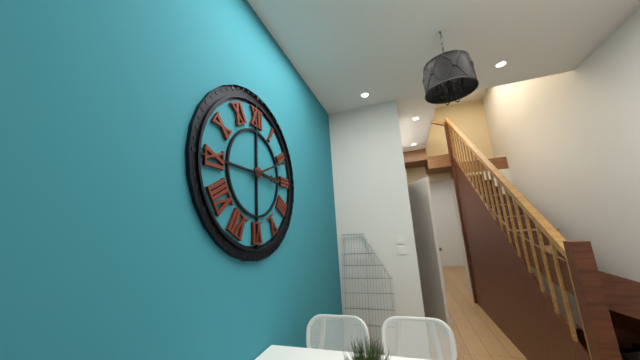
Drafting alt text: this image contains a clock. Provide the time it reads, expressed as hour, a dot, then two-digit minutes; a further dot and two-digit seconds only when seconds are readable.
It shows 3.11
